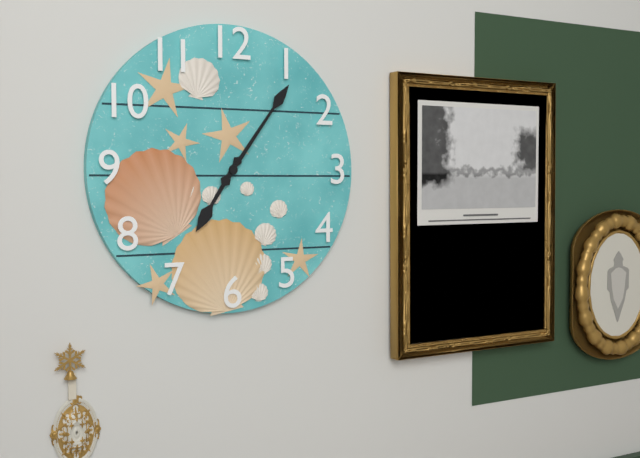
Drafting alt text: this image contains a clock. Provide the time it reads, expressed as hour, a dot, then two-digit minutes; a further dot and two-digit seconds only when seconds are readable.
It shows 7.06
